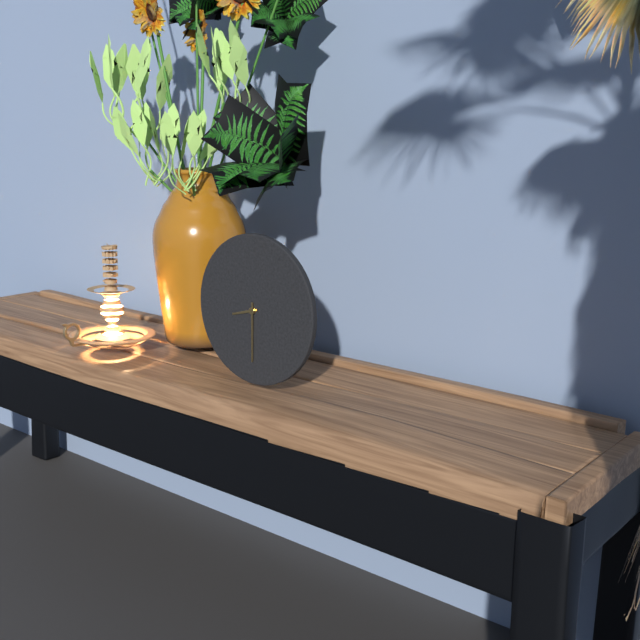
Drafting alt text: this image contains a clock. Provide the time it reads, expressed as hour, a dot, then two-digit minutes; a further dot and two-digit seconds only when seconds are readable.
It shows 8.30
